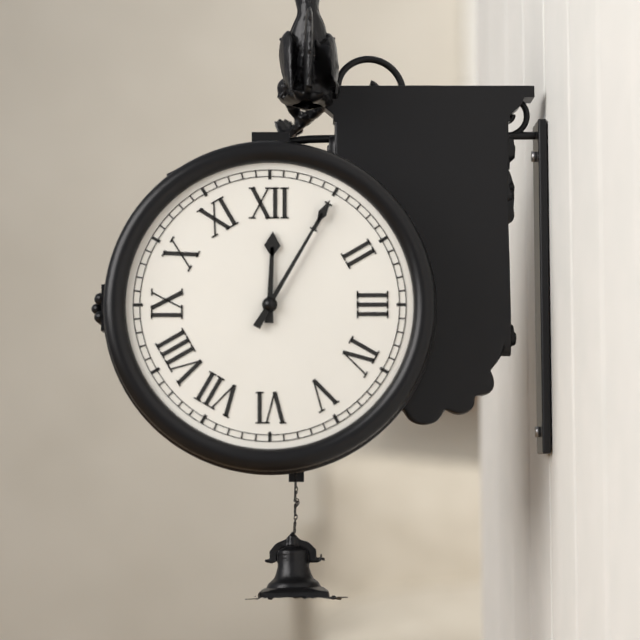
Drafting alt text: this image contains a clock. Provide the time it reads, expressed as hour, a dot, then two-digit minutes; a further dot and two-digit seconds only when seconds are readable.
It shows 12.05
